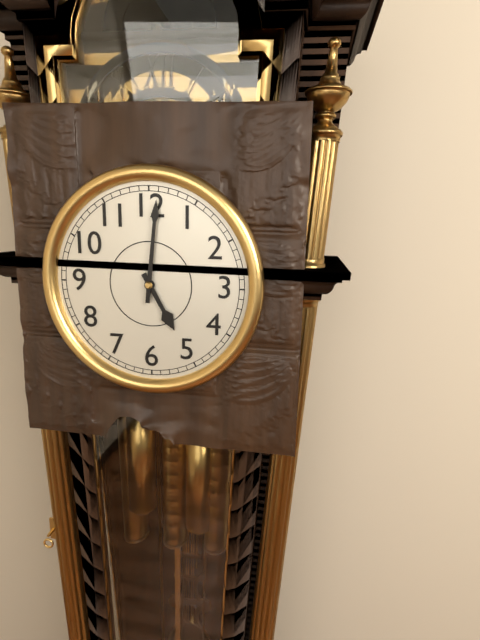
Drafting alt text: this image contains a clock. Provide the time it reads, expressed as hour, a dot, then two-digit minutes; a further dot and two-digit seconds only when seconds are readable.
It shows 5.01
